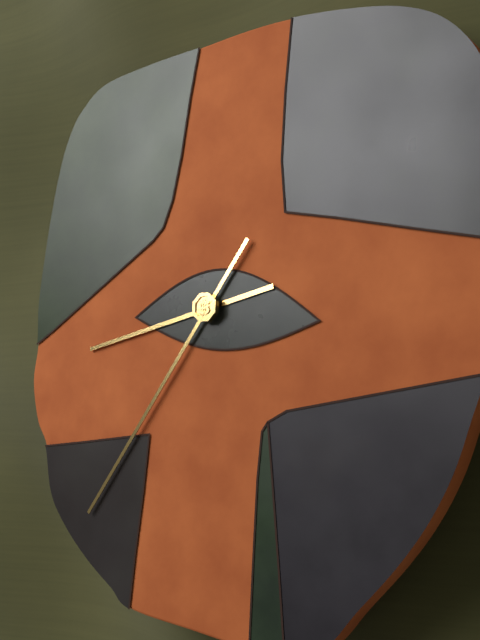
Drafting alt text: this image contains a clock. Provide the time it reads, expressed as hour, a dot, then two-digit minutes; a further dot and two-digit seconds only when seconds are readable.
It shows 8.36
